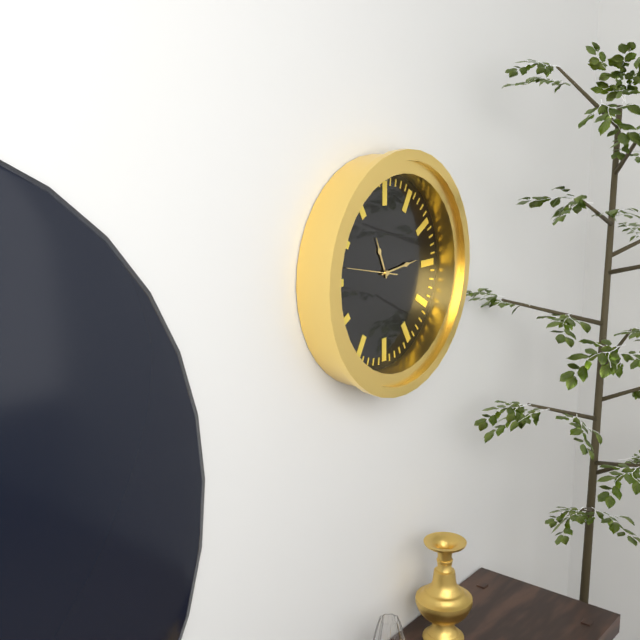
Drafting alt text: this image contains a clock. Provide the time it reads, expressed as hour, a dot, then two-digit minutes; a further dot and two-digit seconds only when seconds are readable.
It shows 11.14
